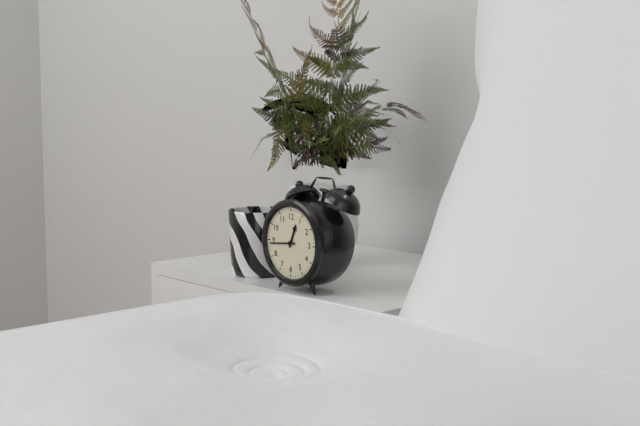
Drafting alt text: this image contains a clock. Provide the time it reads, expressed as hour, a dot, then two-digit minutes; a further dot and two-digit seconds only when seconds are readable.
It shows 12.44
